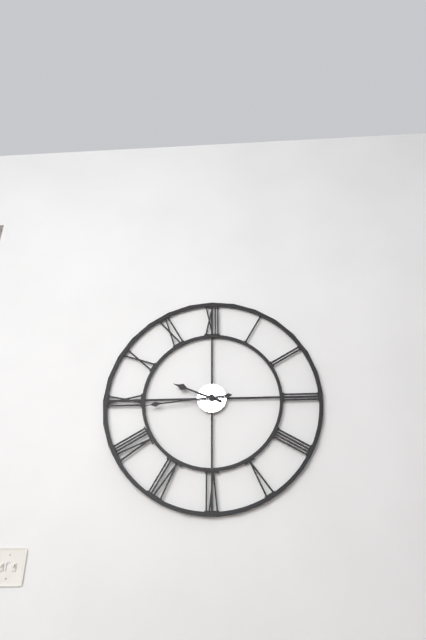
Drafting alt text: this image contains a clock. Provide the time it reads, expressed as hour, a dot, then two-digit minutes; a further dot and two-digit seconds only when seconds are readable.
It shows 9.44
